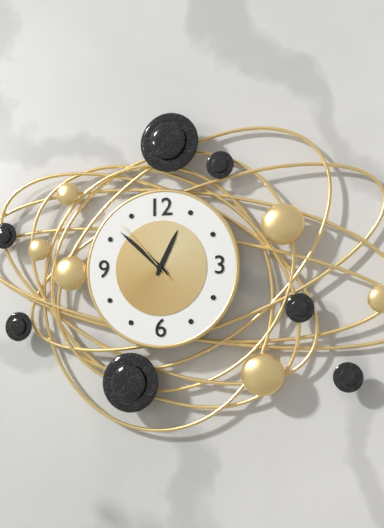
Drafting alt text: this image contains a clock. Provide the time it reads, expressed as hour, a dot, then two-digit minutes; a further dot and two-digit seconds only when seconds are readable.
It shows 12.52.53
